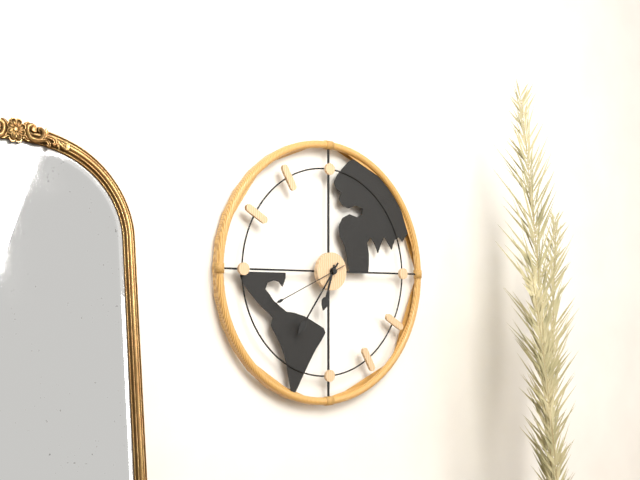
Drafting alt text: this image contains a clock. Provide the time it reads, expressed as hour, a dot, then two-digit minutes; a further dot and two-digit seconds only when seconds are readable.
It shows 6.36.41
